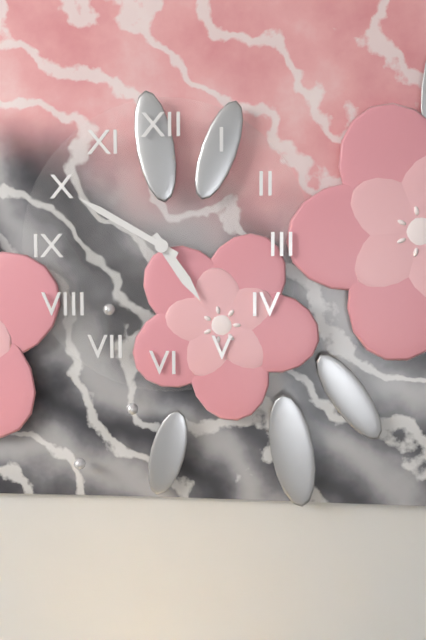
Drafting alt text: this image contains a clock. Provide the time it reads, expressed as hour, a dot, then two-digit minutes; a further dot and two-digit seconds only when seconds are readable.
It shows 4.50
